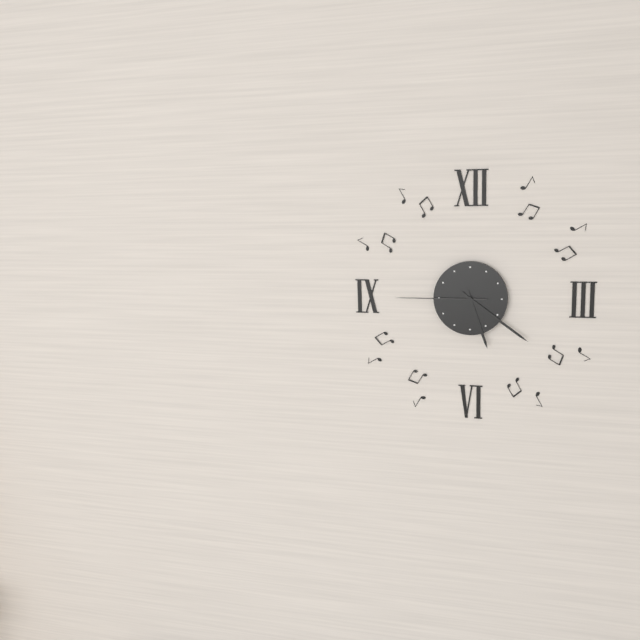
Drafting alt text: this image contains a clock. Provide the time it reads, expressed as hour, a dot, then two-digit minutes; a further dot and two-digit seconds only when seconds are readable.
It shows 5.21.45
